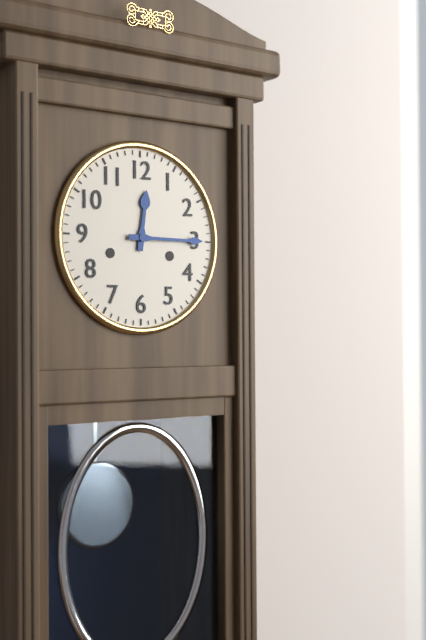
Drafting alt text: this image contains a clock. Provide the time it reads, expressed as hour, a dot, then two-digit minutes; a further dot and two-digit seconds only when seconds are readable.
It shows 12.15
